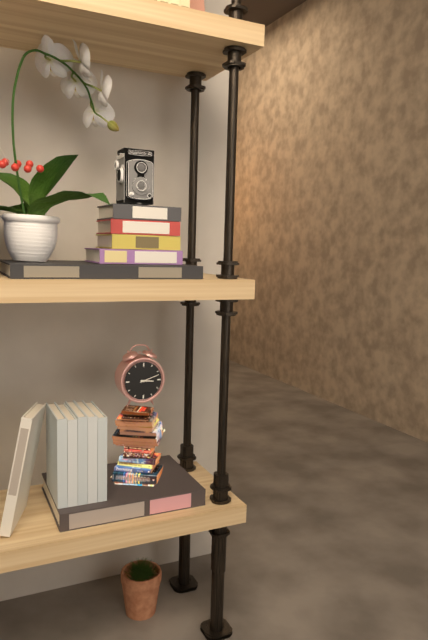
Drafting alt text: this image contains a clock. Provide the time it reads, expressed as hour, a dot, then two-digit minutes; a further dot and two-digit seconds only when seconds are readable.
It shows 3.12
